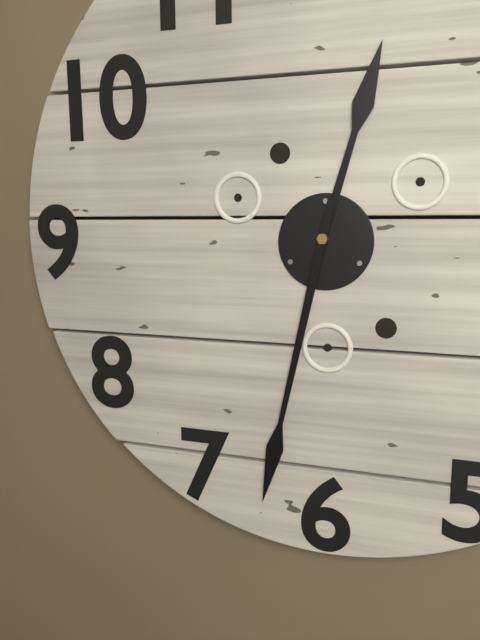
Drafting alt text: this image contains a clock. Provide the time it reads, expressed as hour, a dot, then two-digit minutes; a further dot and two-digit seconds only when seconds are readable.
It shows 12.32
